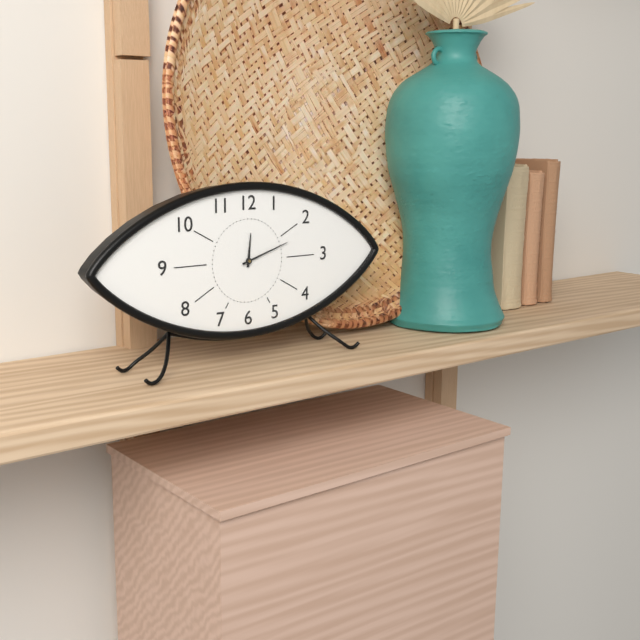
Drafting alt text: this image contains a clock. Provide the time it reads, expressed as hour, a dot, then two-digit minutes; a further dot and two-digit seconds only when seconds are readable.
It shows 12.12
